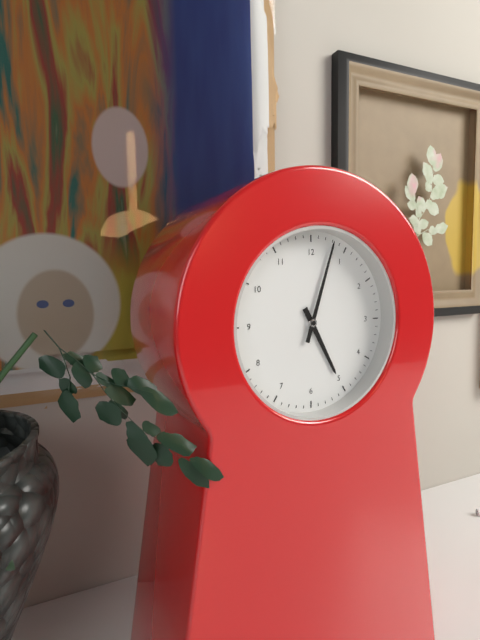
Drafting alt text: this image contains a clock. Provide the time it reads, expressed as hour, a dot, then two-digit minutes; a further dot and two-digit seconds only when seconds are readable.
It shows 5.03
